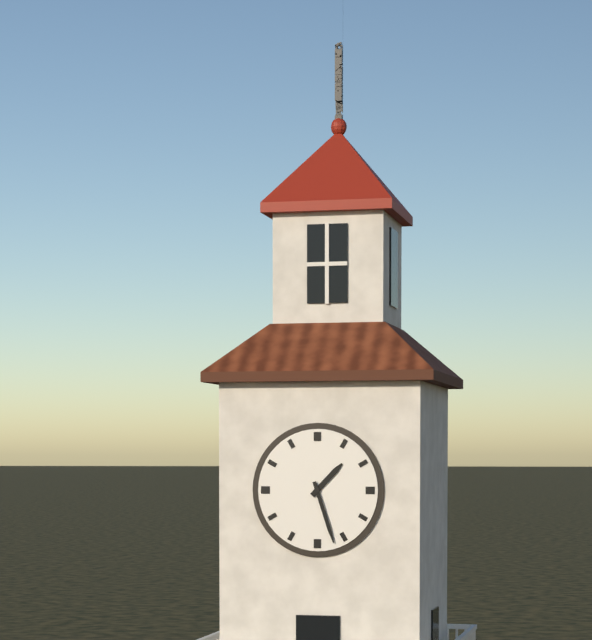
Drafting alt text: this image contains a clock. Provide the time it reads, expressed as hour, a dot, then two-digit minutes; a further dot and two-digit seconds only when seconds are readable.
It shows 1.27
